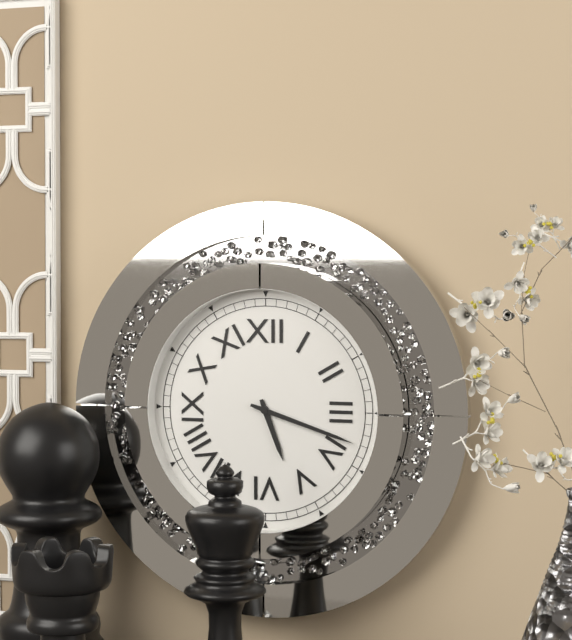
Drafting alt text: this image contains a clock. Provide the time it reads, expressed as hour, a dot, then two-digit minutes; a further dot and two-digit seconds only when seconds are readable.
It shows 5.18
